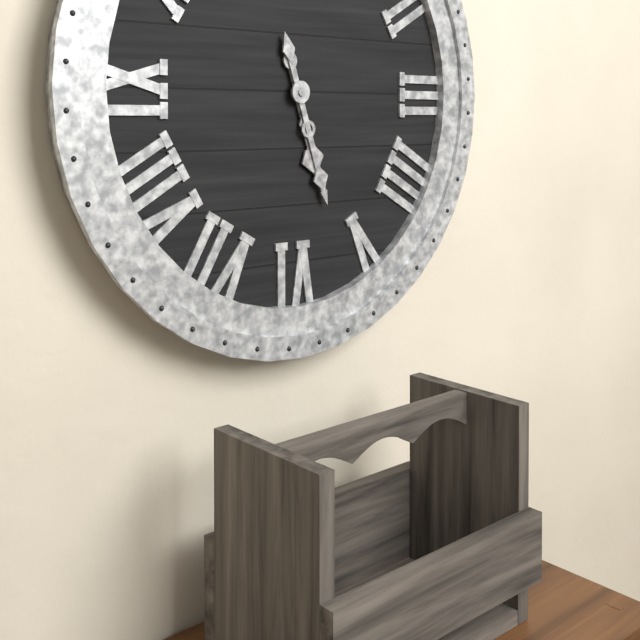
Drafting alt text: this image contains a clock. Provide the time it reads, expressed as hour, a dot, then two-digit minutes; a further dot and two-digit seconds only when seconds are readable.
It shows 5.27
